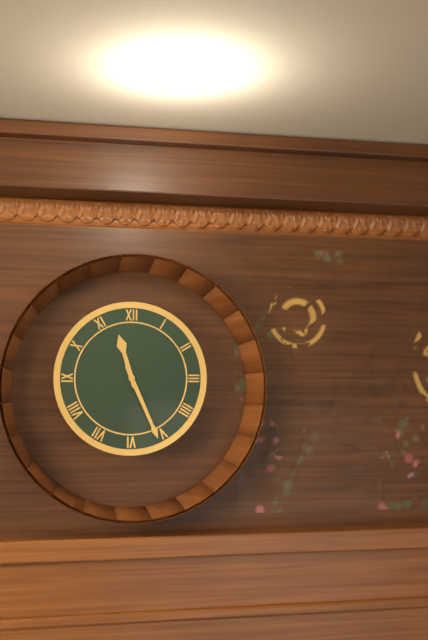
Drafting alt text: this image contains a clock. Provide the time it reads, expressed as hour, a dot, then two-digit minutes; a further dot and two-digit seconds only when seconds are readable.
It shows 11.26
